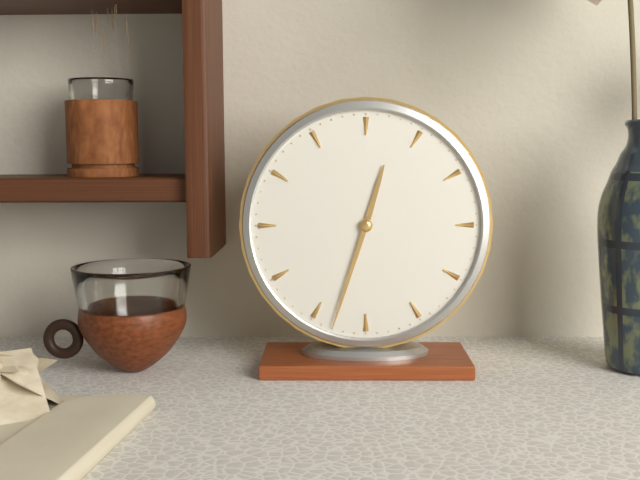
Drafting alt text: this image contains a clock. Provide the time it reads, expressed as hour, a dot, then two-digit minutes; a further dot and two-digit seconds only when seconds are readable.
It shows 12.33
